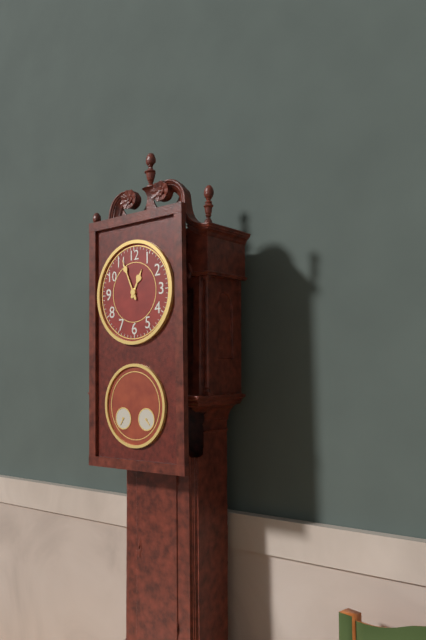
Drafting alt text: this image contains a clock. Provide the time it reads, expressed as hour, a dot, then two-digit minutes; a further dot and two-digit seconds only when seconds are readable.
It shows 12.56
